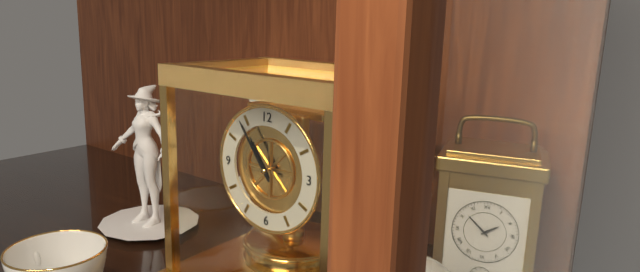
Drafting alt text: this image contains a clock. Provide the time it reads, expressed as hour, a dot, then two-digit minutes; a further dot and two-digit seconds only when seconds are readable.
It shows 10.54
